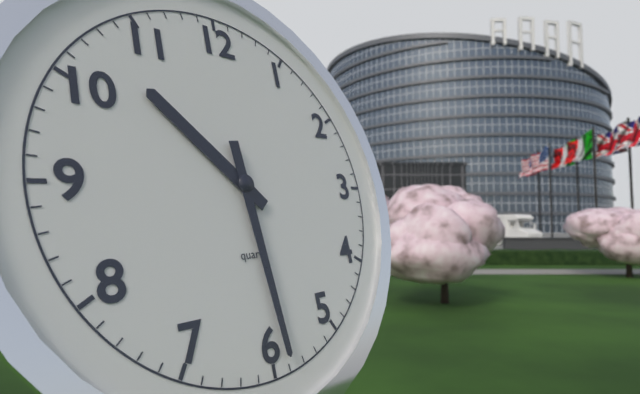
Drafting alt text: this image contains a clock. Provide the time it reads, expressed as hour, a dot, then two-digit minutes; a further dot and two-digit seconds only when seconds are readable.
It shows 10.29
